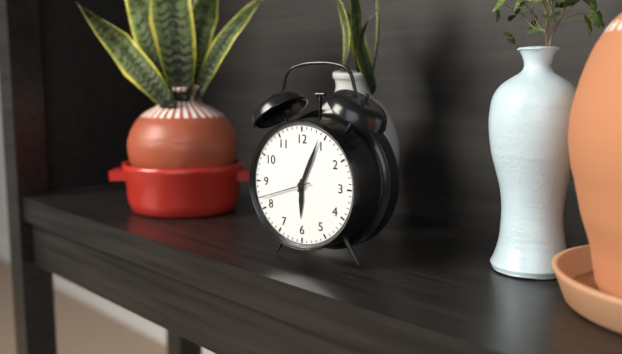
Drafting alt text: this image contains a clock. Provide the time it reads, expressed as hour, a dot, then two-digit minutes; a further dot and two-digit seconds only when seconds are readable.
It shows 6.04.42
